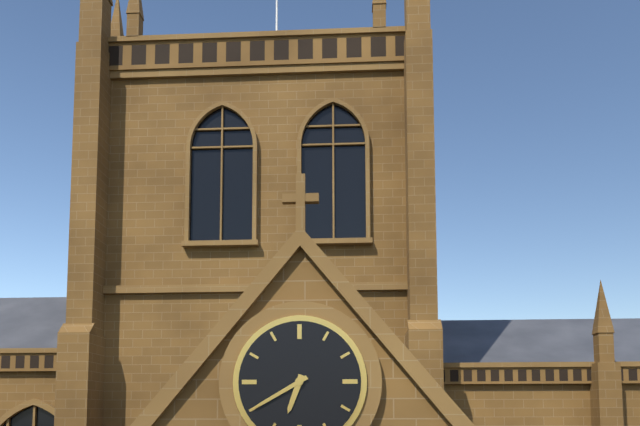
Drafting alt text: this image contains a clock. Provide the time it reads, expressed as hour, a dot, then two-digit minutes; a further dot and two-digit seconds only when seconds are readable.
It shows 6.40
